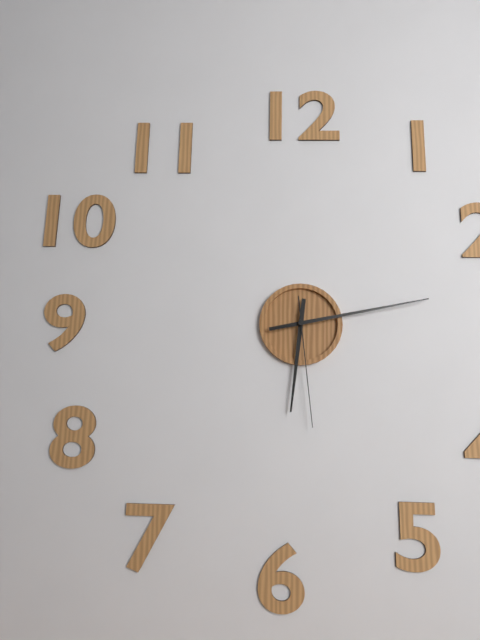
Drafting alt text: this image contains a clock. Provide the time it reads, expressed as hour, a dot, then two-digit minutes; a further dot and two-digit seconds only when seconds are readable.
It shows 6.13.29
